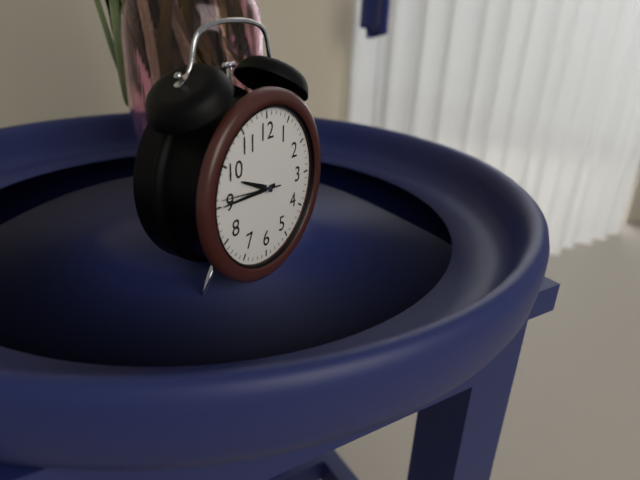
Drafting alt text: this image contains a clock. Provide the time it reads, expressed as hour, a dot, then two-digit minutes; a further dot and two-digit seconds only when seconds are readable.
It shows 9.45
